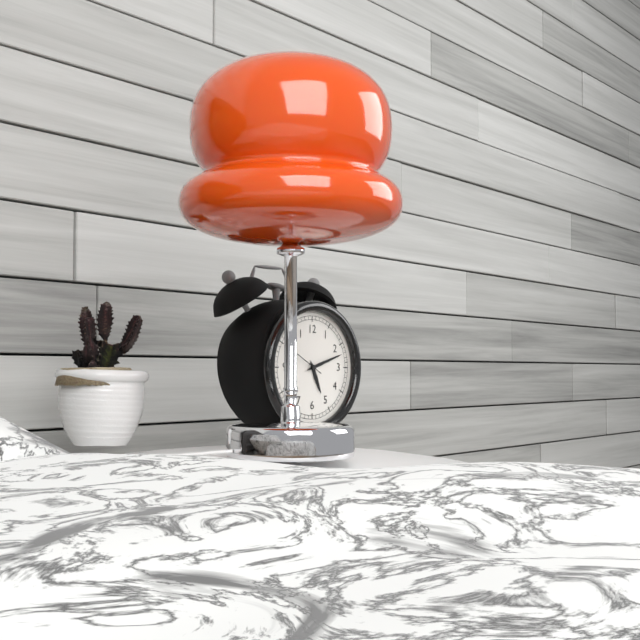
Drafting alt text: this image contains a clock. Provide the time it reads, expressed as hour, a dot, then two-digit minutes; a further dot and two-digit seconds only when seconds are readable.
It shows 5.12
